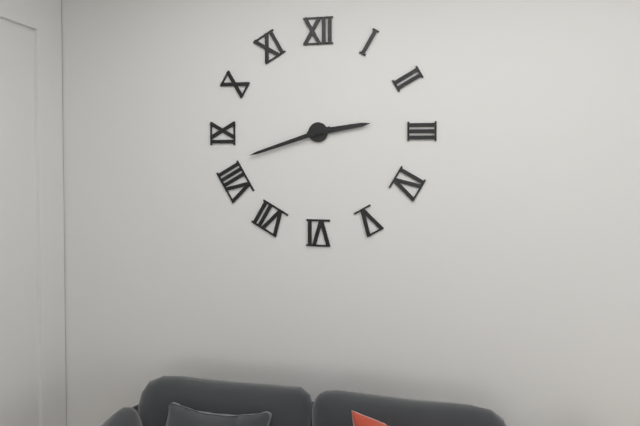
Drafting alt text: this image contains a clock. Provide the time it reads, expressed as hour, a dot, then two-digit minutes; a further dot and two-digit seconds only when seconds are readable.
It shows 2.42
